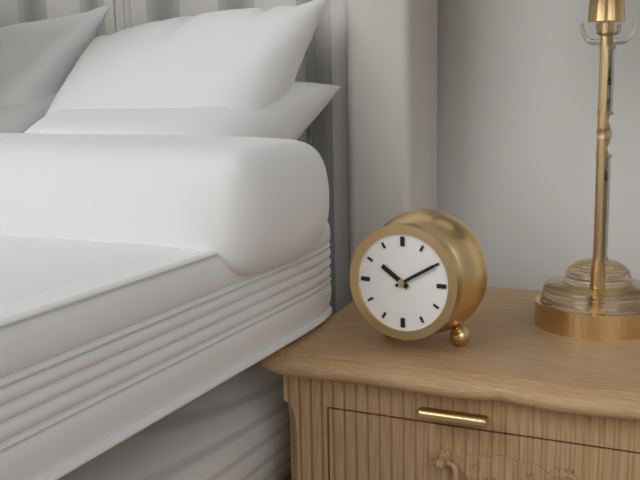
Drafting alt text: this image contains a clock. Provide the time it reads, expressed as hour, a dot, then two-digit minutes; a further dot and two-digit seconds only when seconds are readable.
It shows 10.10
